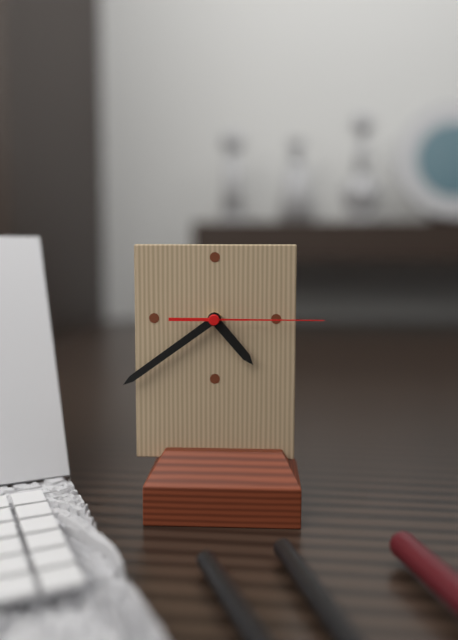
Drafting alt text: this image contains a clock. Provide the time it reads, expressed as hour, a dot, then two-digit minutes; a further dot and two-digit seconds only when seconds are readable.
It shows 4.39.15
